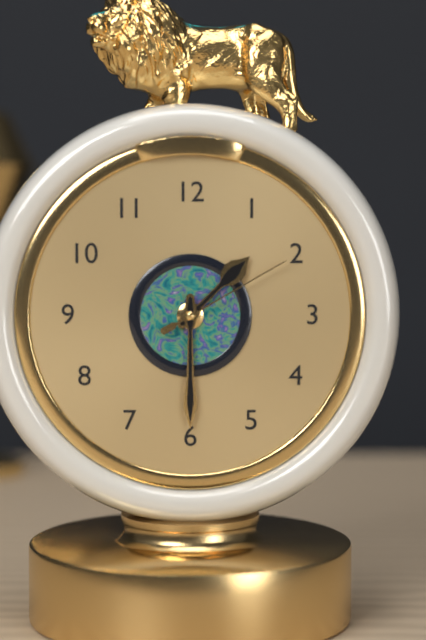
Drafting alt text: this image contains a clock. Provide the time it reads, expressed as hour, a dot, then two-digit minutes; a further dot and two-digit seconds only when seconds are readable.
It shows 1.30.10
